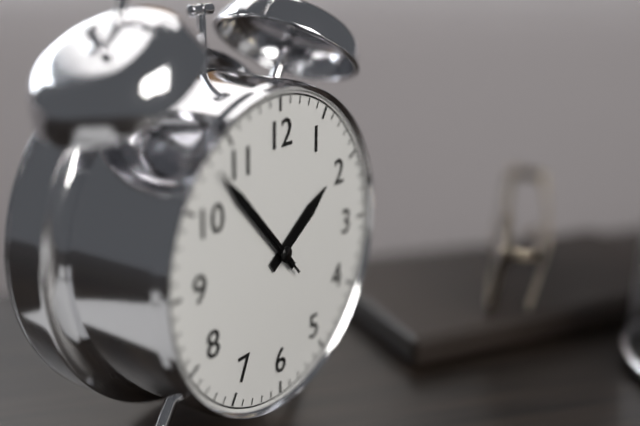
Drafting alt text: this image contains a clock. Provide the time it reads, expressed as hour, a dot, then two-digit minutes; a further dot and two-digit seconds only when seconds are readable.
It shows 1.53.53
